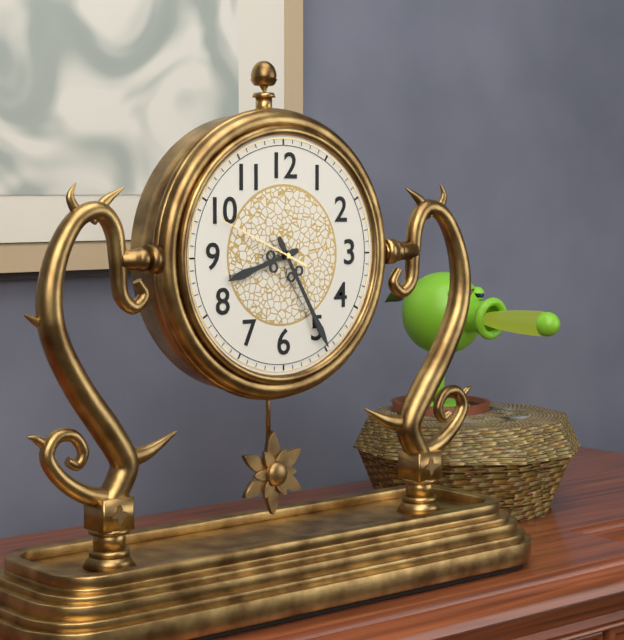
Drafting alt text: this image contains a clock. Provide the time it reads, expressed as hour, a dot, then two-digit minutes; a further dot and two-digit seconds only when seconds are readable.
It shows 8.25.49
